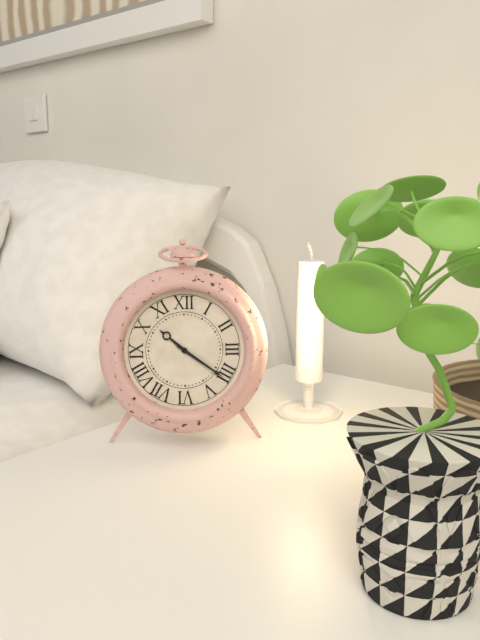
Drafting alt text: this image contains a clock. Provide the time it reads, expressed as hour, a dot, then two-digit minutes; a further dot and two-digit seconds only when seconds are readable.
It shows 10.21
